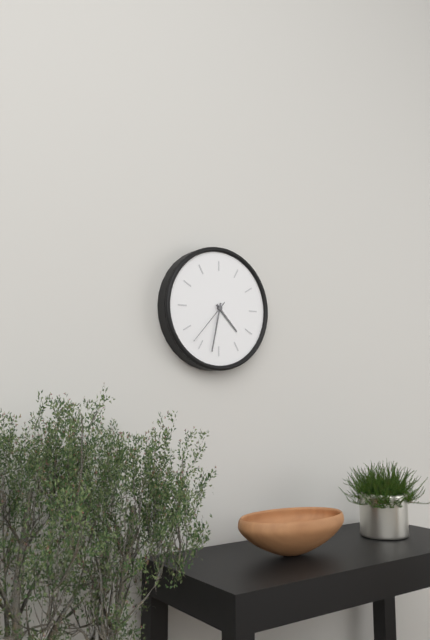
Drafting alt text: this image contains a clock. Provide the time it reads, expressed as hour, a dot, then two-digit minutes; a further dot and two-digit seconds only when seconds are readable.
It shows 4.32.37
